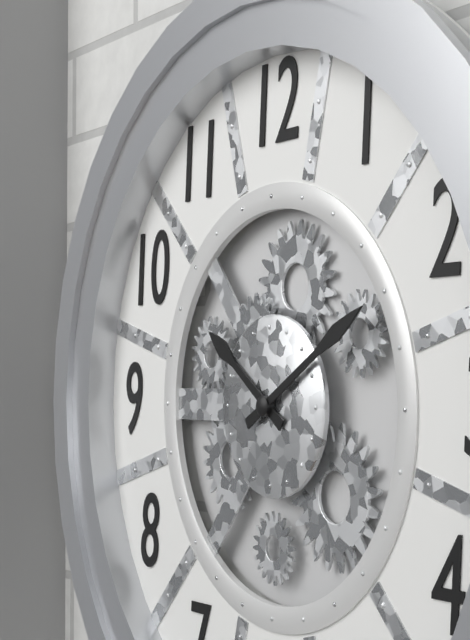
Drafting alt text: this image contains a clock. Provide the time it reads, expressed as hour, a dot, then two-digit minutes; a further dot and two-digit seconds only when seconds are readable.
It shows 10.10
